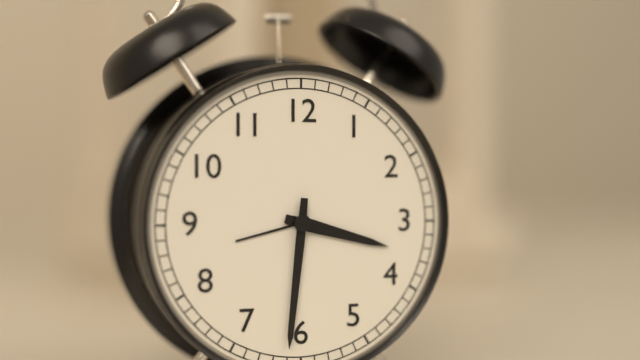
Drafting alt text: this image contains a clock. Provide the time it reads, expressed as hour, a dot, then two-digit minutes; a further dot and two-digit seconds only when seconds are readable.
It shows 3.31
